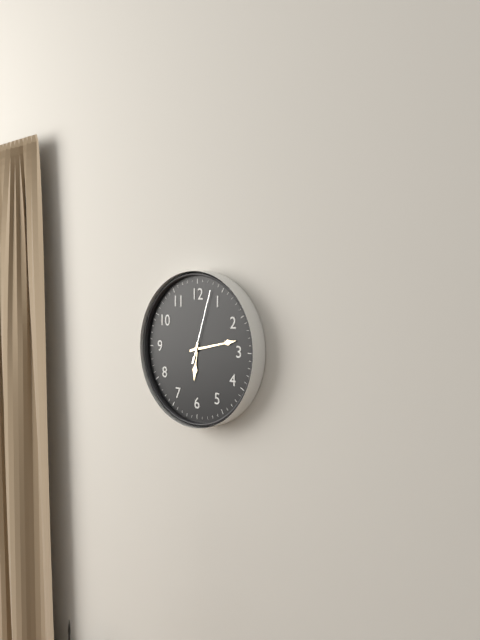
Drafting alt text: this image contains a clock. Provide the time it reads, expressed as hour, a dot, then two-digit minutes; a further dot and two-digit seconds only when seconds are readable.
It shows 6.13.03
